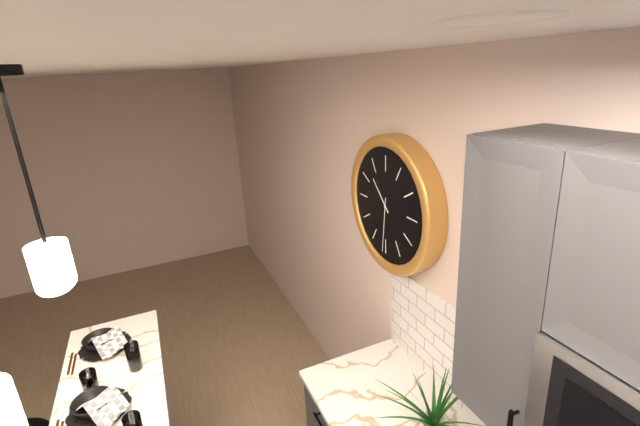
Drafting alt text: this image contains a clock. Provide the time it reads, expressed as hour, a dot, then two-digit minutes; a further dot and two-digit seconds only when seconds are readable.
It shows 10.31
